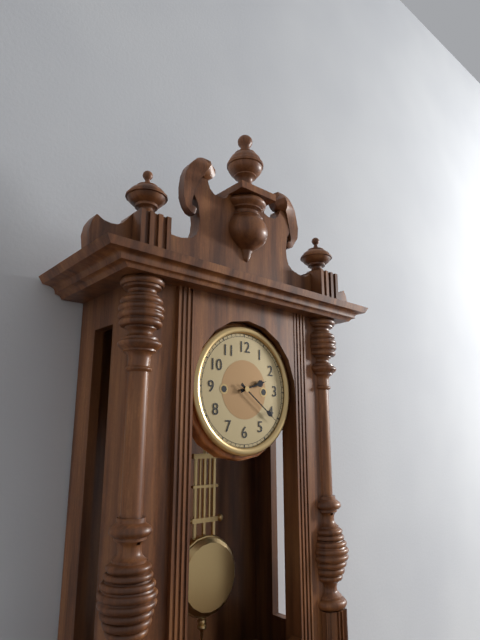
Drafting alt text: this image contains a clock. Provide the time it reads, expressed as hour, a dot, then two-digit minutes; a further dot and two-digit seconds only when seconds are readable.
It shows 2.21
